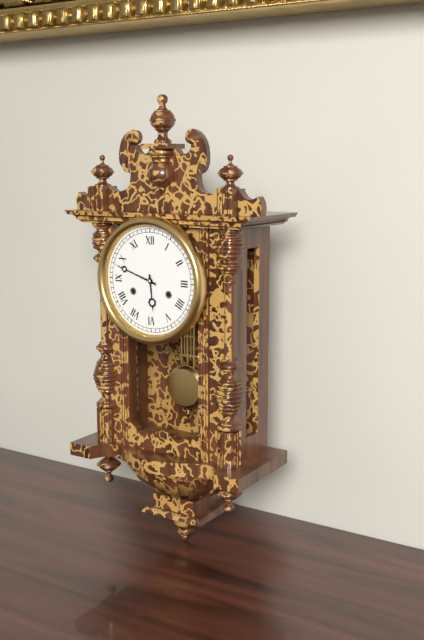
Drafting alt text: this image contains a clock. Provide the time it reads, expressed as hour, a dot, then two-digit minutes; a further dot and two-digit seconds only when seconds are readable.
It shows 5.48
